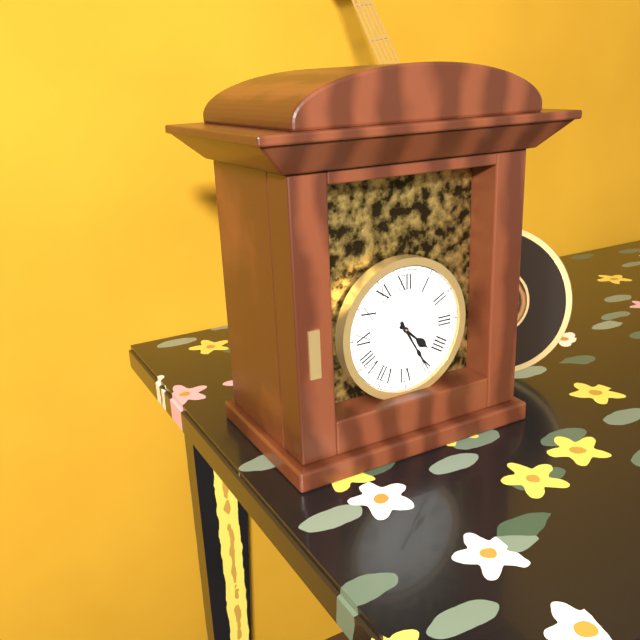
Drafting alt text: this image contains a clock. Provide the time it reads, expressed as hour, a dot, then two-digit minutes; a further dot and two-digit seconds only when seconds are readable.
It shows 4.25
